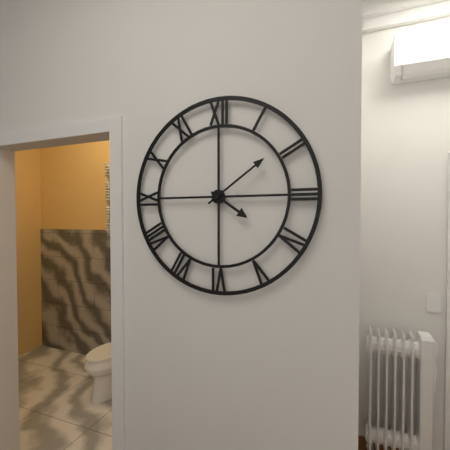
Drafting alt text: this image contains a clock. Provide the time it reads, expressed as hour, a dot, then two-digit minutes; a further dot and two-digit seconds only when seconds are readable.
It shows 4.09
